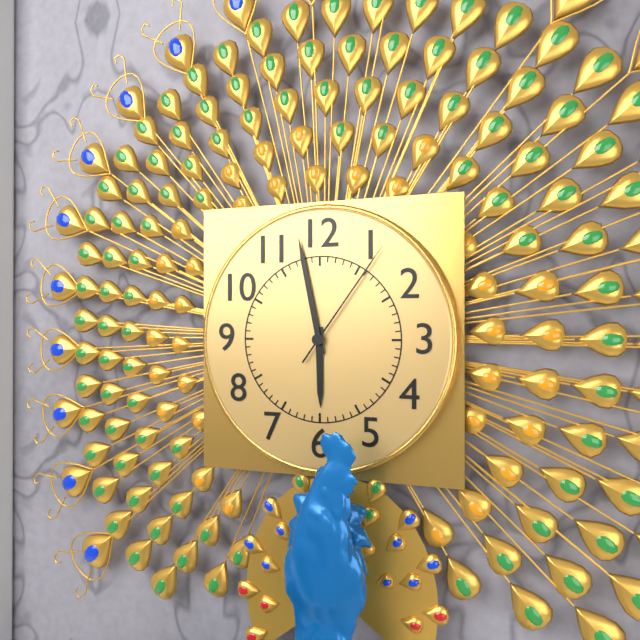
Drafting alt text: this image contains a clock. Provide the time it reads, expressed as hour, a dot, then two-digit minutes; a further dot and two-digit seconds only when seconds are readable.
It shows 5.58.06
